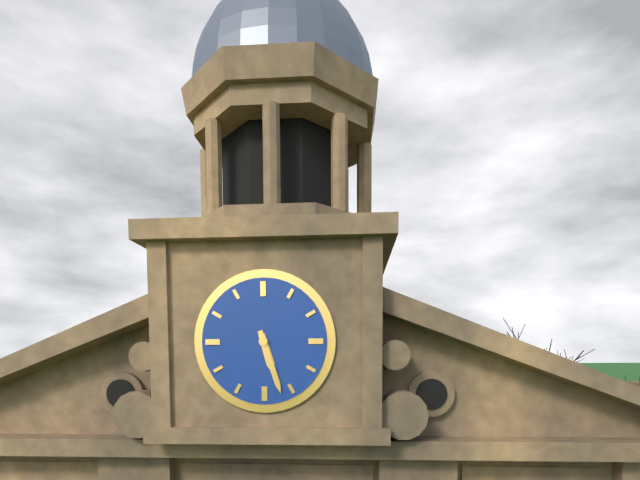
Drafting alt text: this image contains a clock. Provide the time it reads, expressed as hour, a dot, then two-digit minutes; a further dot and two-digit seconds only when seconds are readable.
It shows 5.27
